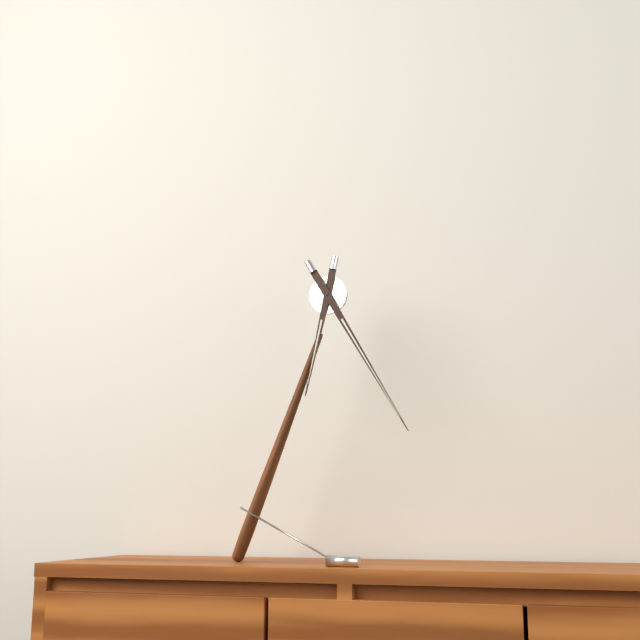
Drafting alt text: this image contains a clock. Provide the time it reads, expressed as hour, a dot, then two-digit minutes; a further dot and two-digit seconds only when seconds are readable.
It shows 6.25
